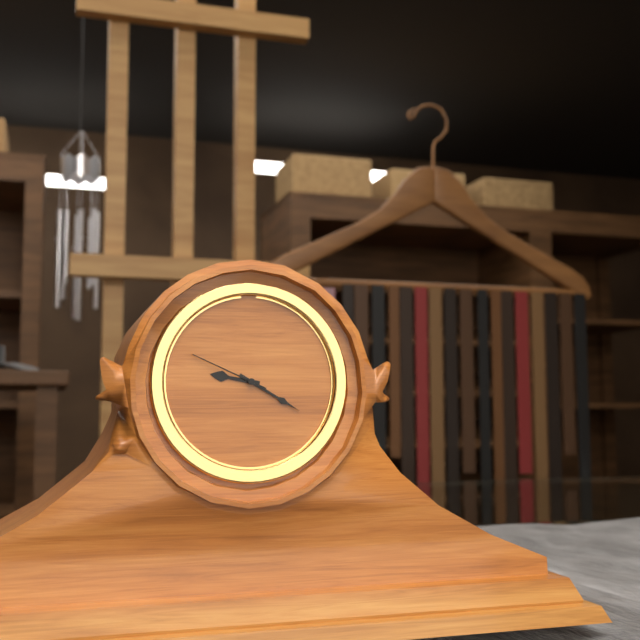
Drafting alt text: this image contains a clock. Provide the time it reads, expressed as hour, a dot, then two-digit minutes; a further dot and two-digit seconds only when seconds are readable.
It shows 9.20.49
